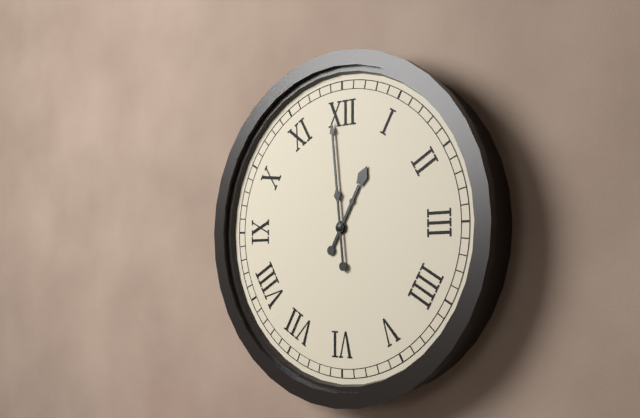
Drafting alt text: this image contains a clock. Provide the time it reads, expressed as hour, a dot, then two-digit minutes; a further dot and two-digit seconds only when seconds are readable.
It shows 12.59
